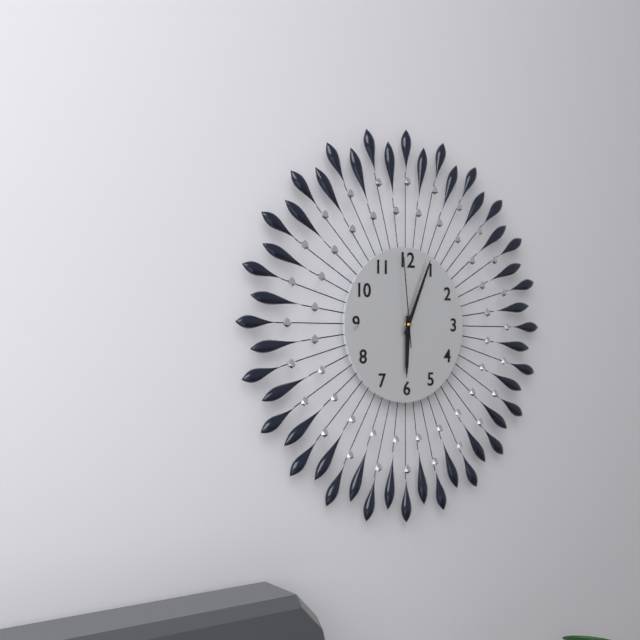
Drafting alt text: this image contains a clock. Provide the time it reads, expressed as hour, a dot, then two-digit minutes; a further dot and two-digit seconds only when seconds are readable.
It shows 6.04.59
